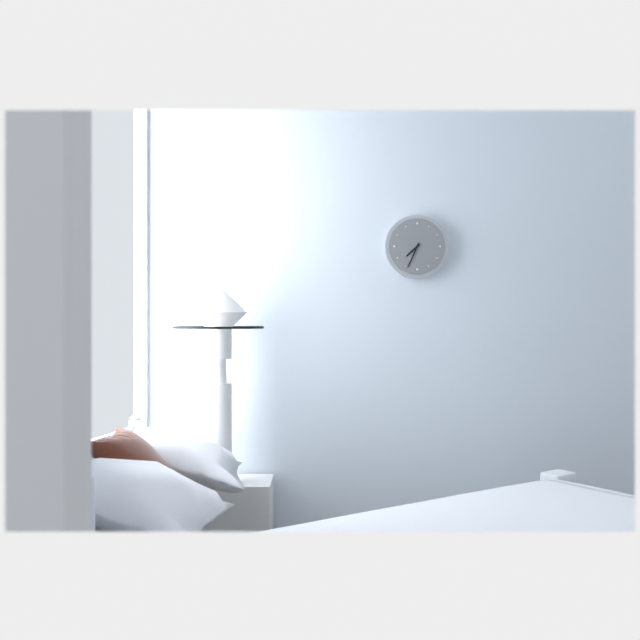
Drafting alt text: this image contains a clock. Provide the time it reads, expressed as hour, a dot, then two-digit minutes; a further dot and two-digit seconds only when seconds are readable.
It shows 7.34
